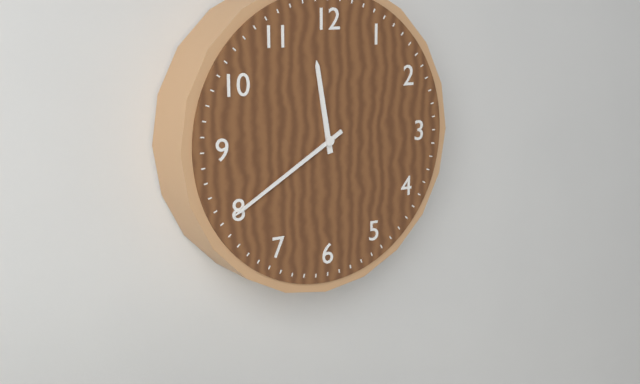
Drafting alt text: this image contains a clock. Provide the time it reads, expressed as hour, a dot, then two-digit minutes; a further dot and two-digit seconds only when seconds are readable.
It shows 11.40
